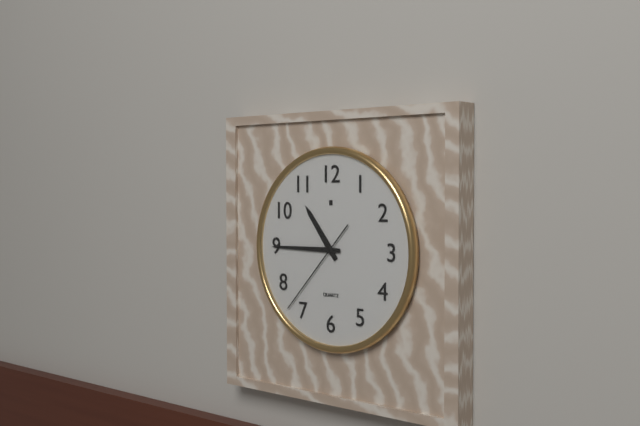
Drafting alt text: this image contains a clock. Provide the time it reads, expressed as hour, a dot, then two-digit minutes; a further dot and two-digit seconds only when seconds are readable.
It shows 10.45.37
